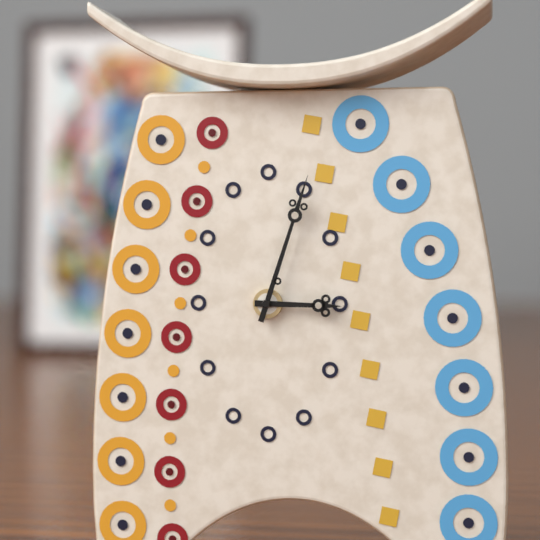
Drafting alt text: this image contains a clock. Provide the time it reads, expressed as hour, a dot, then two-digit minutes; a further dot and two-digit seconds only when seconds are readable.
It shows 3.03
